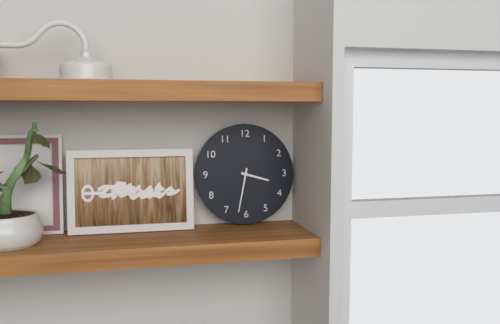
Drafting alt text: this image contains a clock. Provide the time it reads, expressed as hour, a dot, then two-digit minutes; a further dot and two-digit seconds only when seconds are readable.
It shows 3.32
